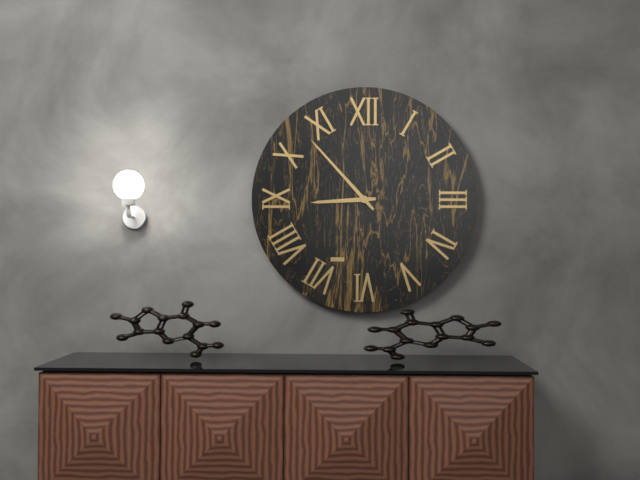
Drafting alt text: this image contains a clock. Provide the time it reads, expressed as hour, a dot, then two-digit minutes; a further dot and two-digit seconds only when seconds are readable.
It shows 8.53
